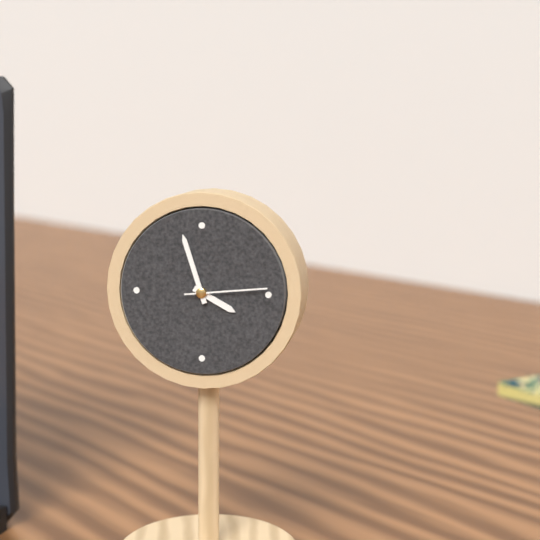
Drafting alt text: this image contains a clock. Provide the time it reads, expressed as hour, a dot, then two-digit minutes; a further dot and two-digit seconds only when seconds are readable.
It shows 3.57.14
